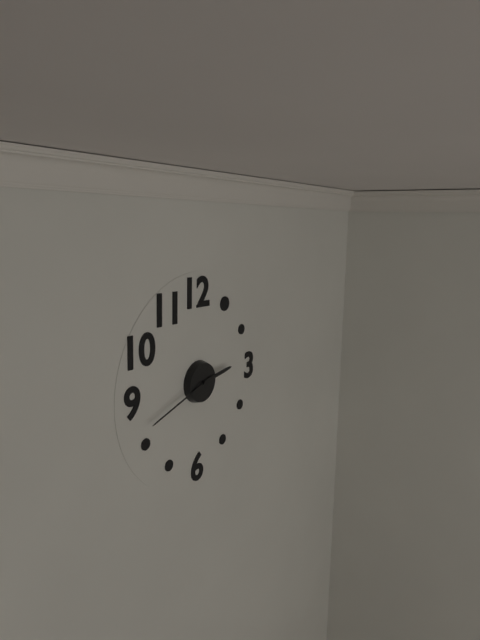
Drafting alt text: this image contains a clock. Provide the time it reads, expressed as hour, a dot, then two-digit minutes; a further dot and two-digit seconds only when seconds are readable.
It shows 2.42
